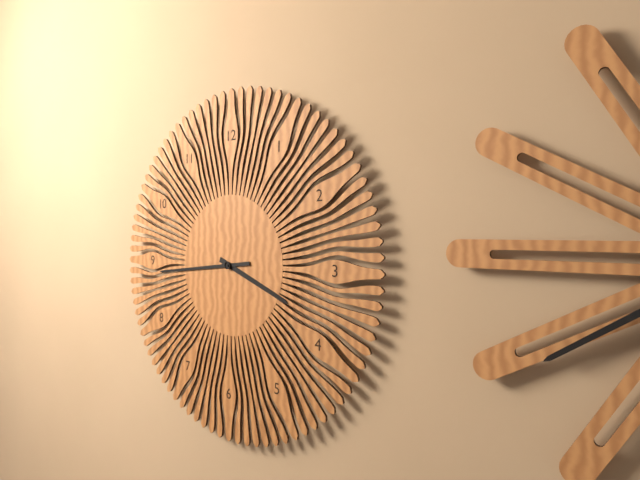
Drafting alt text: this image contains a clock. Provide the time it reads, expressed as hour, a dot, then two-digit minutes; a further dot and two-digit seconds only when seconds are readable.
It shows 3.44
